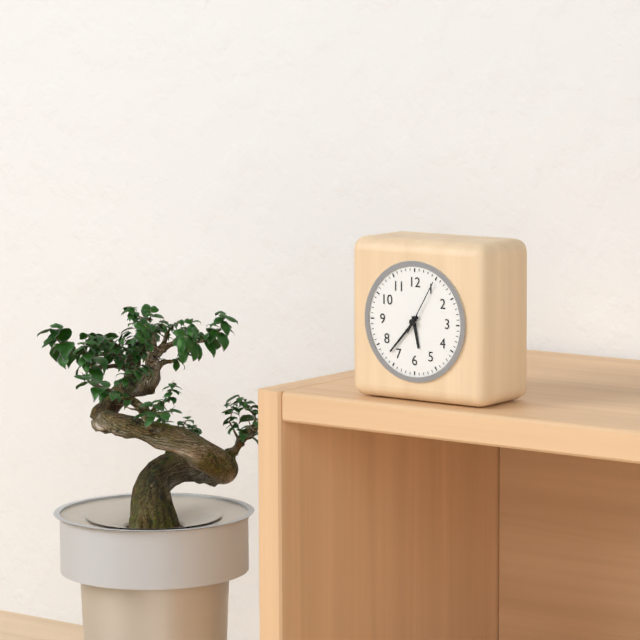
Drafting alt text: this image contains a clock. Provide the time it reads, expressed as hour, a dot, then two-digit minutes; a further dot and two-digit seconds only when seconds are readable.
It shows 5.37.05
